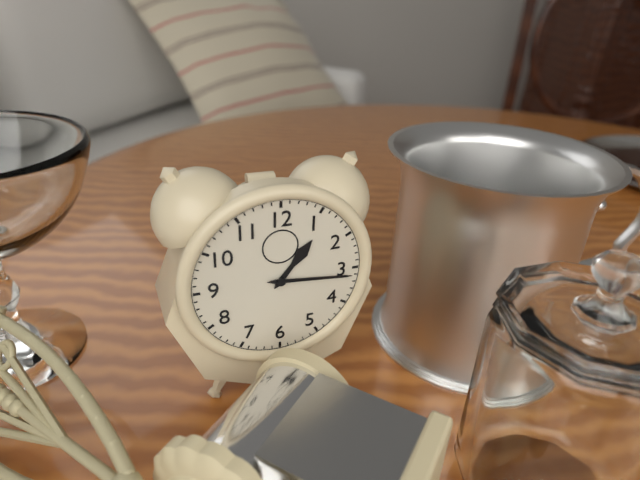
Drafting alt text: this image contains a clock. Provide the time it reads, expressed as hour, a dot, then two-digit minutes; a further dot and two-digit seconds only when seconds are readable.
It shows 1.16
